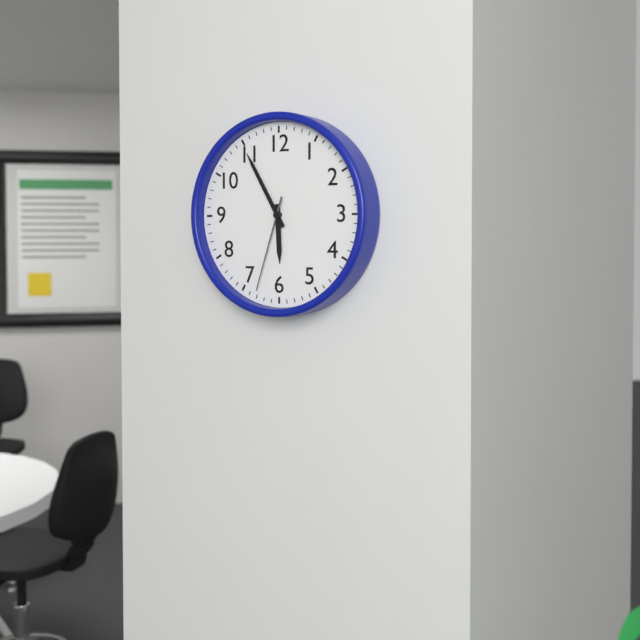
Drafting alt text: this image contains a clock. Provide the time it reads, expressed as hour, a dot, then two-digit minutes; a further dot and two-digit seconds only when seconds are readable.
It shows 5.55.33
